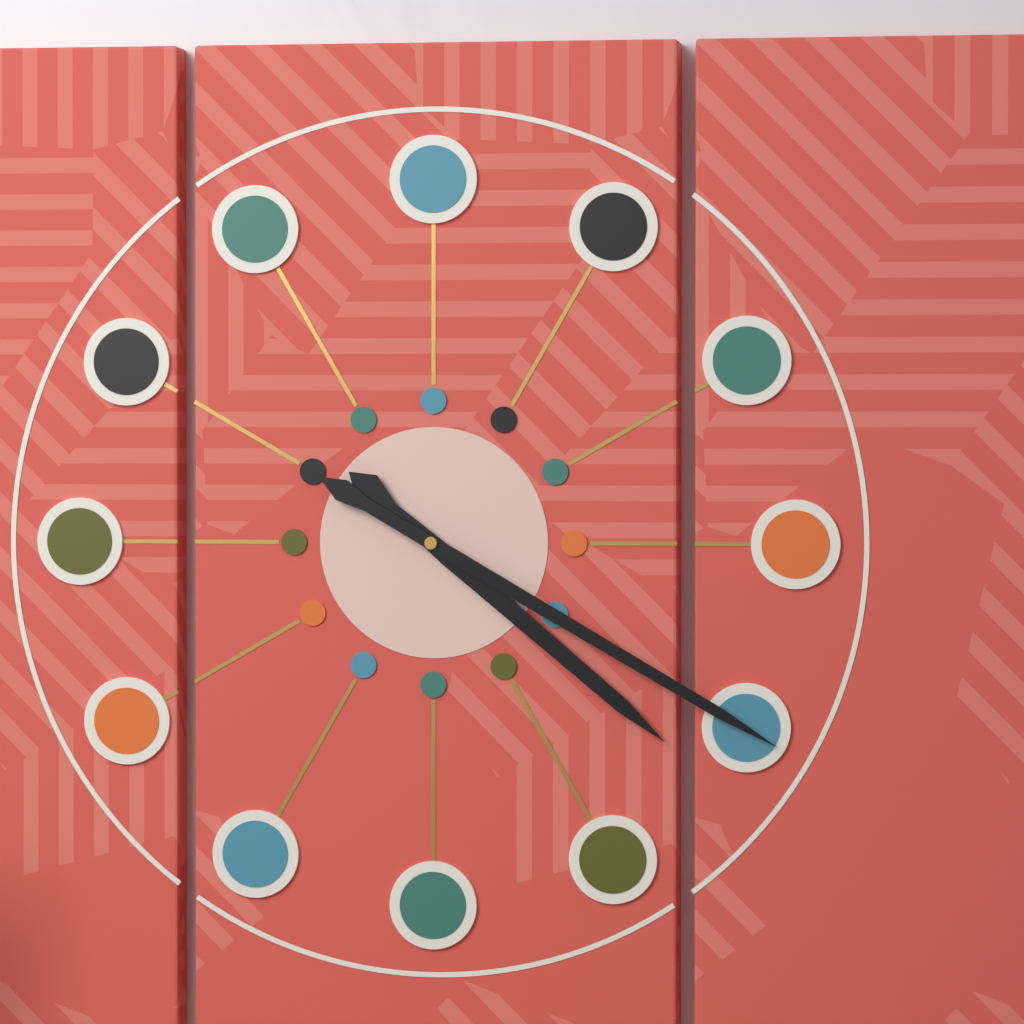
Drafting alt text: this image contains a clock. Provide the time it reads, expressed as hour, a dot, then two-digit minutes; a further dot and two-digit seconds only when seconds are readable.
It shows 4.20
